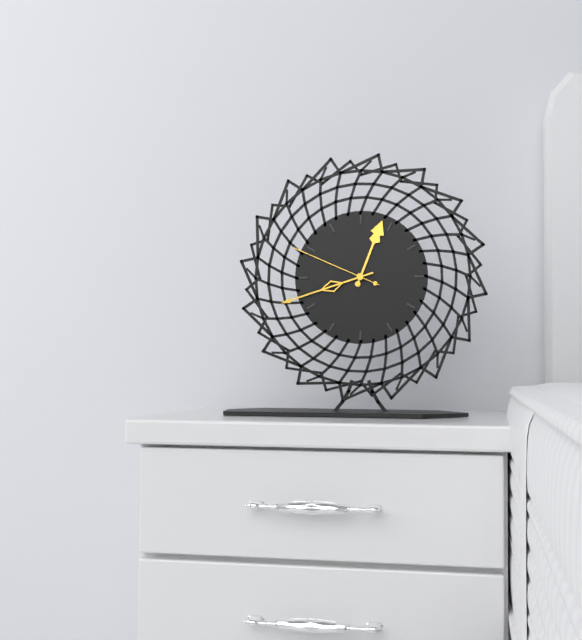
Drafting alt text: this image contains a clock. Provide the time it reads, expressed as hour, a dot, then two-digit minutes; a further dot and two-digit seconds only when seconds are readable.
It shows 12.42.49
